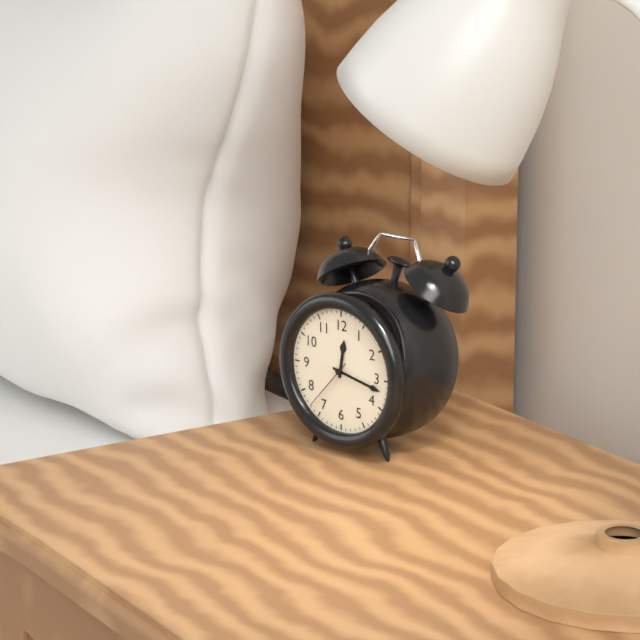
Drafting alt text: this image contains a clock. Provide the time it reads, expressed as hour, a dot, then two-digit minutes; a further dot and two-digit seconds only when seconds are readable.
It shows 12.17.37
